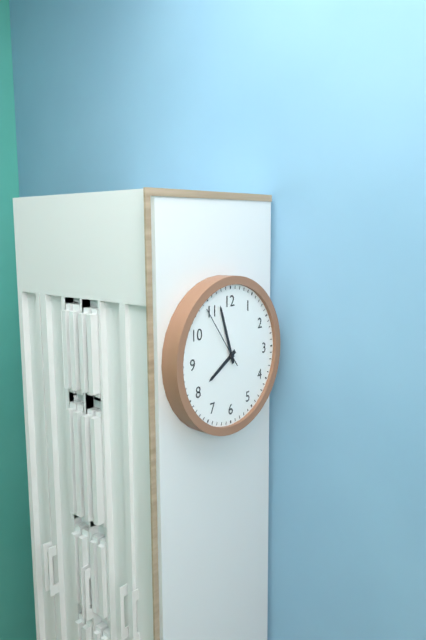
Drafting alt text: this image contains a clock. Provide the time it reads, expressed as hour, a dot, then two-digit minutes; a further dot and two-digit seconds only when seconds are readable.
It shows 7.57.54
